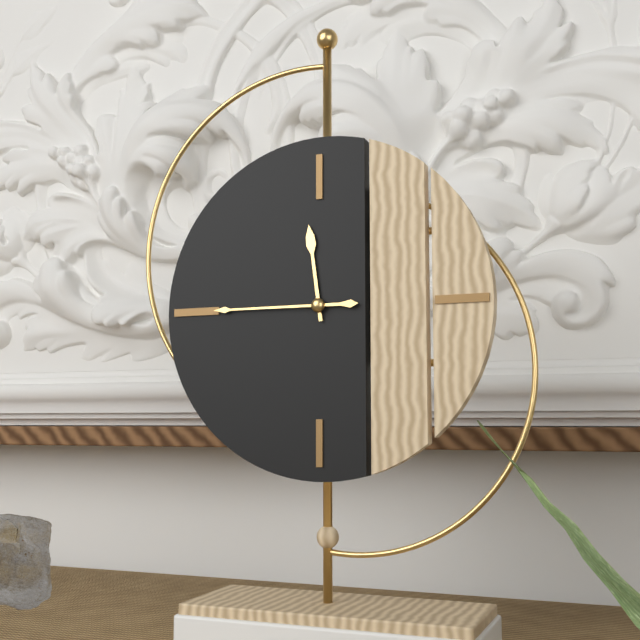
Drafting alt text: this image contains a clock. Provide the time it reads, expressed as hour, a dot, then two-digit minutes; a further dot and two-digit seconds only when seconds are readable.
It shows 11.45
